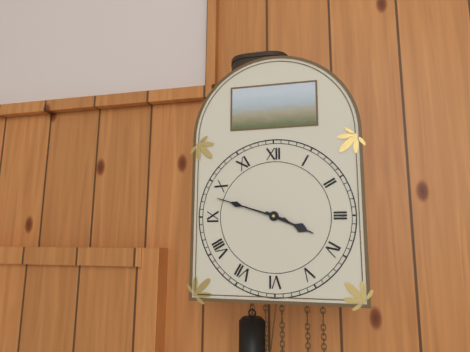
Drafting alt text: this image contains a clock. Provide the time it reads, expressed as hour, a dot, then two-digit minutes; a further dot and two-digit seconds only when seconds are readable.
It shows 3.48
